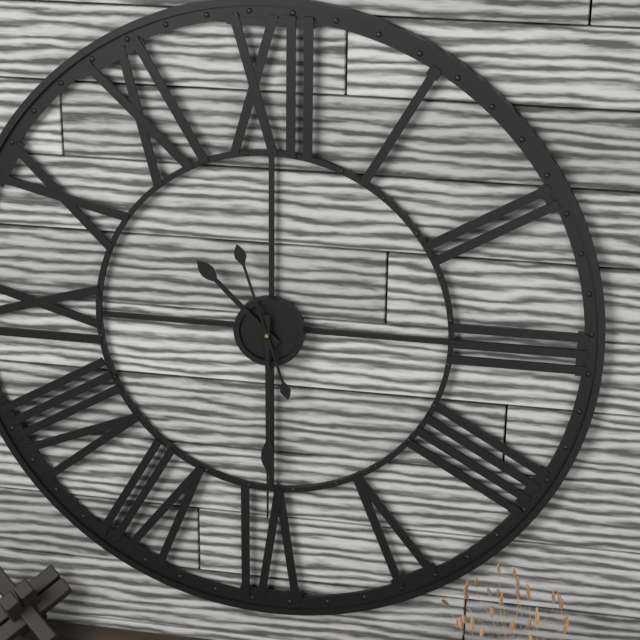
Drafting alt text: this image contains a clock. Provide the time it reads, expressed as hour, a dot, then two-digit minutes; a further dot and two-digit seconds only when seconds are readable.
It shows 10.30.57
